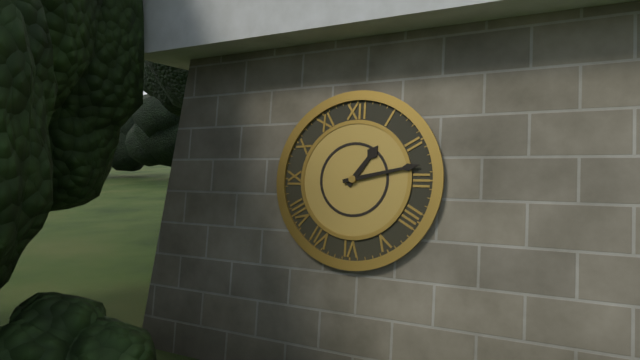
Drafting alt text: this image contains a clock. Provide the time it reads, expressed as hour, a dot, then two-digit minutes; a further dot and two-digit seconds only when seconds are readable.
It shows 1.13
